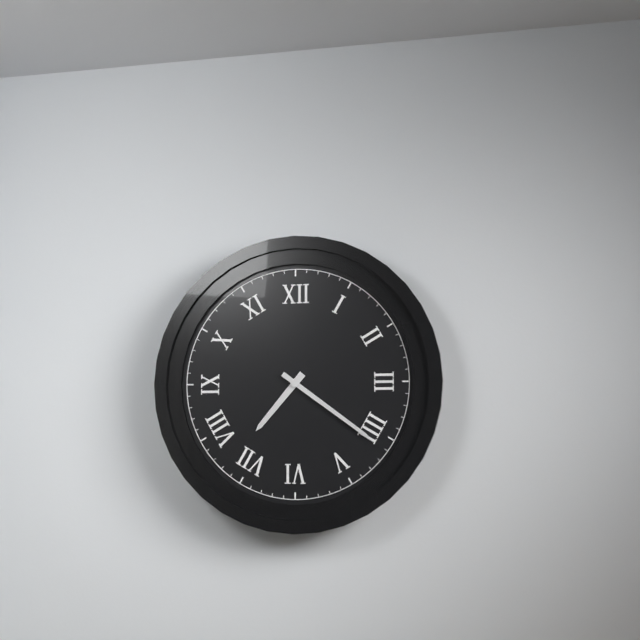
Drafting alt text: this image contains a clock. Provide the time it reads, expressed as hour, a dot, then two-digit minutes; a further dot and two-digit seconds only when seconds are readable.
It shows 7.21
